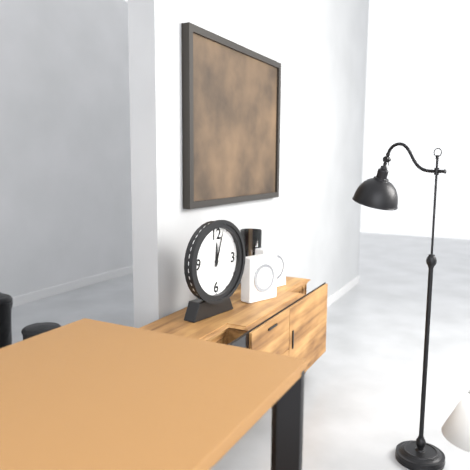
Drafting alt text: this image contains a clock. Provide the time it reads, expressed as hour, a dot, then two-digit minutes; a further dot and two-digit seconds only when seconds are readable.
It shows 12.03
